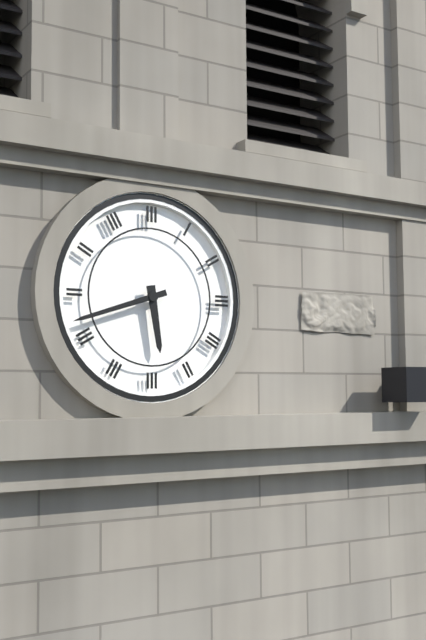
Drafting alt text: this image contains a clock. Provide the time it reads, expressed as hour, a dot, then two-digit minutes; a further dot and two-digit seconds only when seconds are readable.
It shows 5.42
